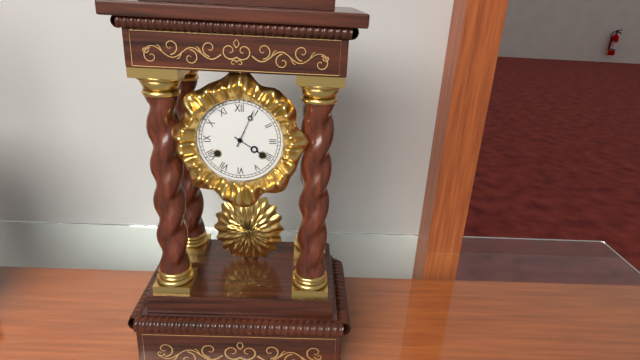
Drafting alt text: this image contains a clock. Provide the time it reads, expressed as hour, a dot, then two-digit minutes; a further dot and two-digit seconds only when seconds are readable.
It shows 4.04
